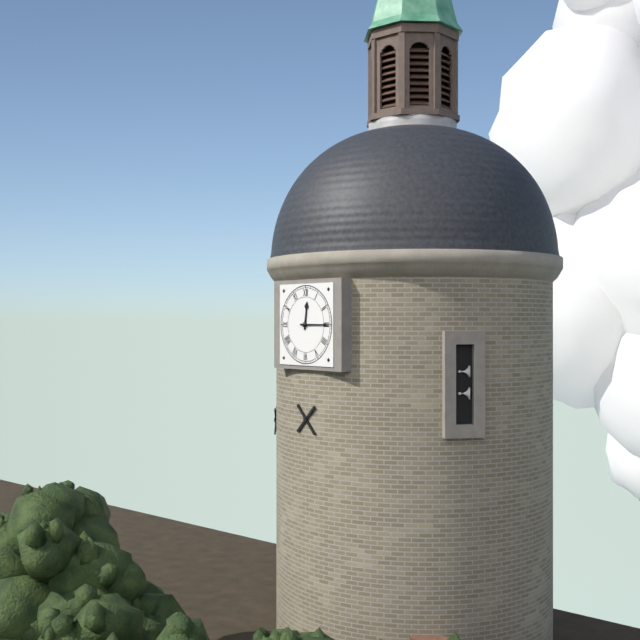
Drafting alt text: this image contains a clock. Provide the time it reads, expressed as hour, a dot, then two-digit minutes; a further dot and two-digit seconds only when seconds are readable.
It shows 12.15
